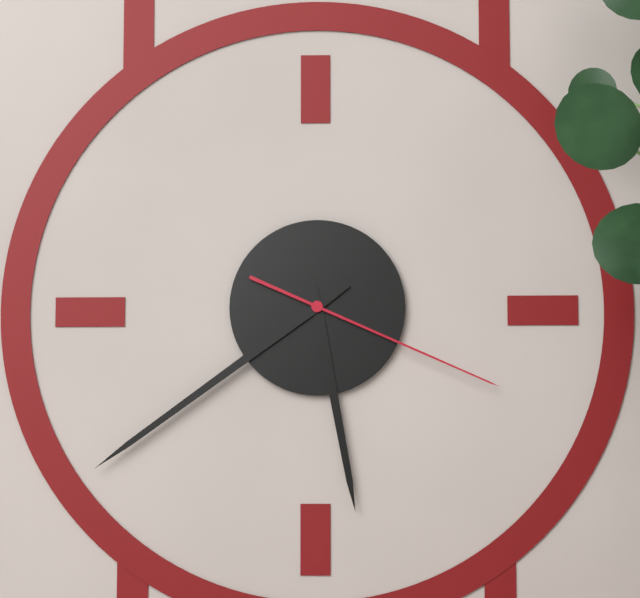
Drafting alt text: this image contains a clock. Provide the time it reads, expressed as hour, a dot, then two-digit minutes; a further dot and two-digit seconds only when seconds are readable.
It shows 5.39.19
